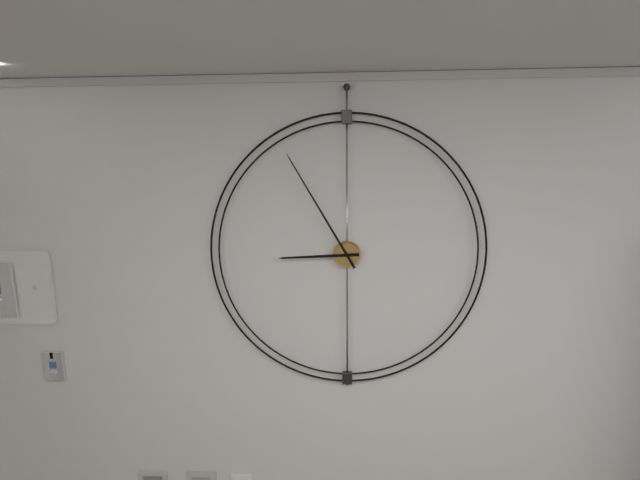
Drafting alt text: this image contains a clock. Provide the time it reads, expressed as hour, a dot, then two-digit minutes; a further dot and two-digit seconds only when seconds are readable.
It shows 8.55
